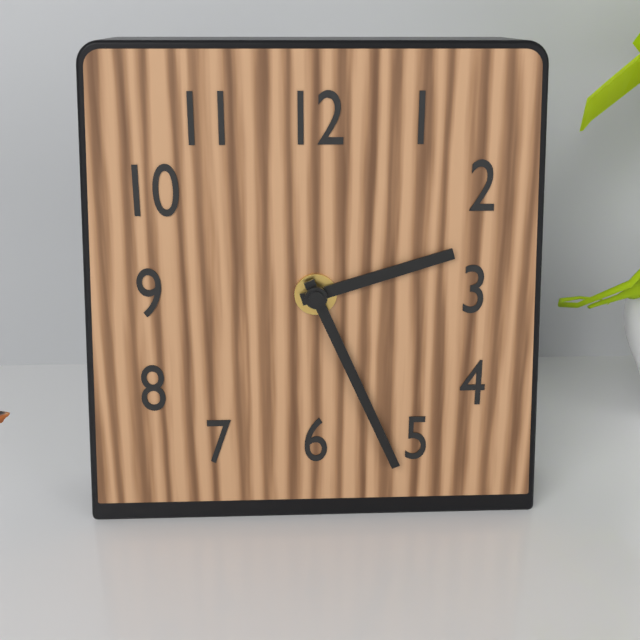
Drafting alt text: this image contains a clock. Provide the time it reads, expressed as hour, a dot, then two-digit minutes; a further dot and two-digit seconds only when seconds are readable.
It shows 2.26
